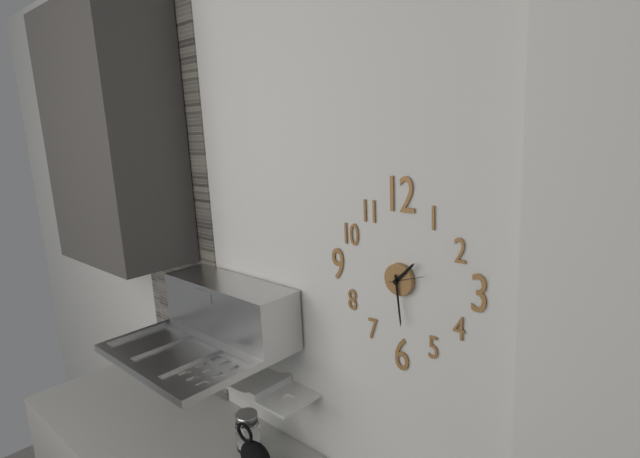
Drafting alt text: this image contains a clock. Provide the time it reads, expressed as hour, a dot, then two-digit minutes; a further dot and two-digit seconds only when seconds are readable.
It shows 1.29
